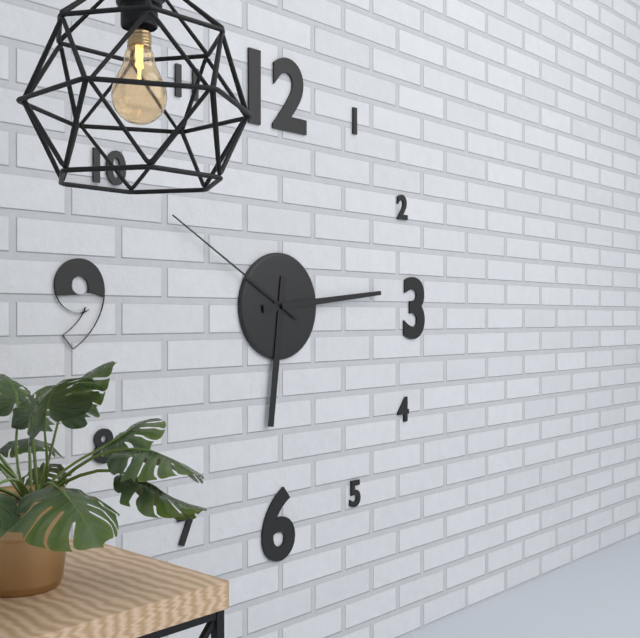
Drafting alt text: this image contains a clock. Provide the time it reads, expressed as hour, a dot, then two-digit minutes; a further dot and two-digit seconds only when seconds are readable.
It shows 6.14.50
